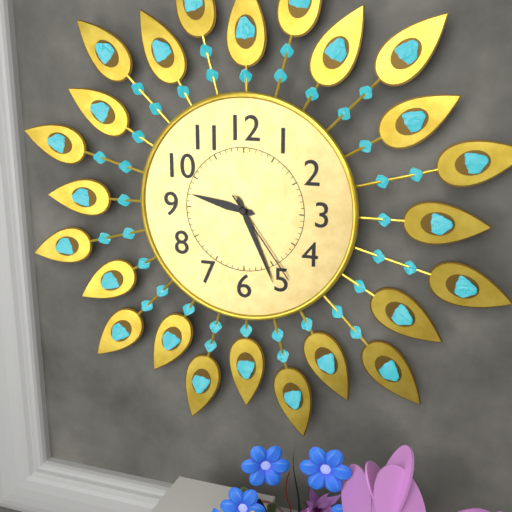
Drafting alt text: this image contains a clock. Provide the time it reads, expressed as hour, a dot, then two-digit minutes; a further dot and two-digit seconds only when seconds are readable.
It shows 9.26.24
